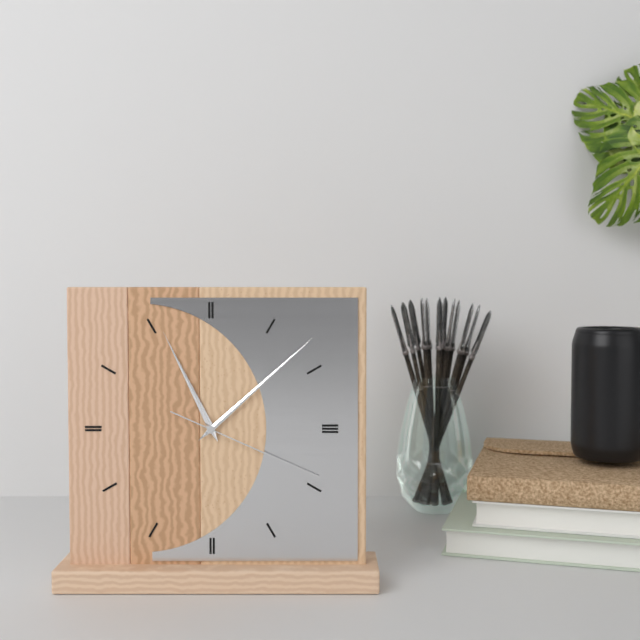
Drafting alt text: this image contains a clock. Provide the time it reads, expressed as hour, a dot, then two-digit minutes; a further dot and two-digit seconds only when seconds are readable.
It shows 11.08.19
